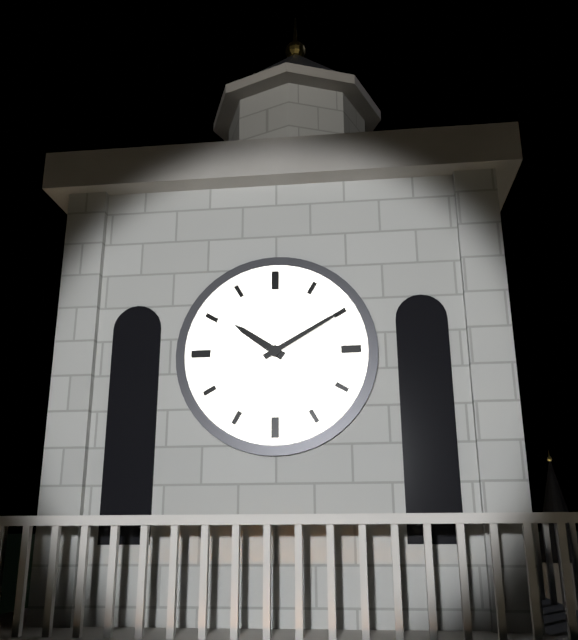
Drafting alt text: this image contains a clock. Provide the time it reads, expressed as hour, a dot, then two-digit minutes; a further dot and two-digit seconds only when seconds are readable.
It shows 10.10
